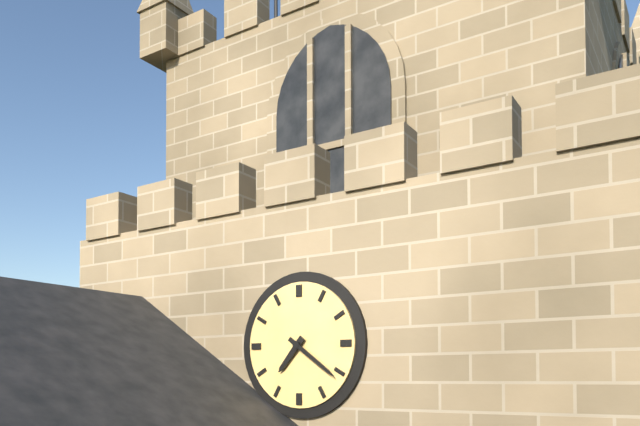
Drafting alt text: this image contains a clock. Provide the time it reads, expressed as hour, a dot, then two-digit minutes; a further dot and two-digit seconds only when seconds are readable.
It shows 7.21
